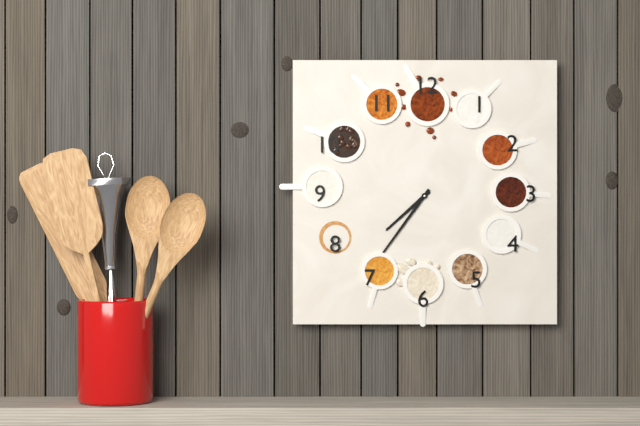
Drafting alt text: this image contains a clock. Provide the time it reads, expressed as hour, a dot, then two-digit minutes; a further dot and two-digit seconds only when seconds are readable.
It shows 7.36
